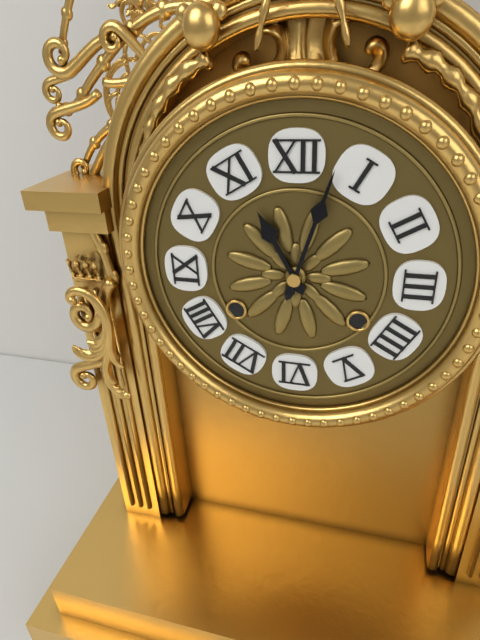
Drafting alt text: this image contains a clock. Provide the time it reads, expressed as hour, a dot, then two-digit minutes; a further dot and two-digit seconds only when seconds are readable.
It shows 11.03
